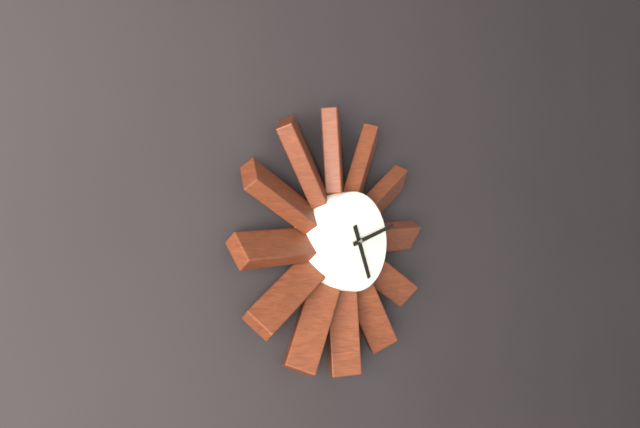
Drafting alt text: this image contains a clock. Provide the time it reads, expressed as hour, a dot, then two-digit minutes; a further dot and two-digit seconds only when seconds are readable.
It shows 5.12
